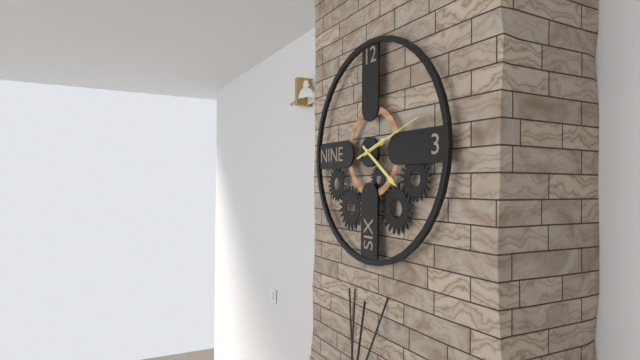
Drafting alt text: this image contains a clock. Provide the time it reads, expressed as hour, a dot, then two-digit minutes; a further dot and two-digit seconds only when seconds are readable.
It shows 2.21.12
